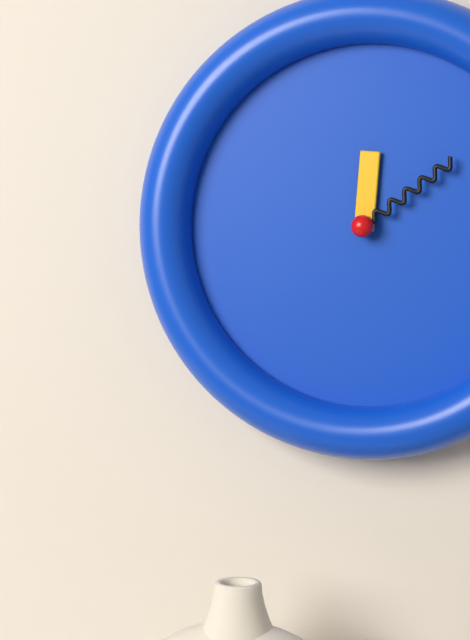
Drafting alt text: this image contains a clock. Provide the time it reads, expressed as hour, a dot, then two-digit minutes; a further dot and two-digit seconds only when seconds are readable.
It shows 12.09
